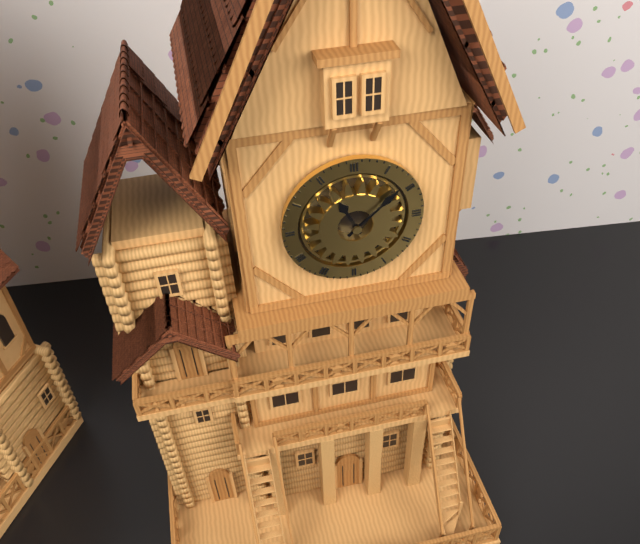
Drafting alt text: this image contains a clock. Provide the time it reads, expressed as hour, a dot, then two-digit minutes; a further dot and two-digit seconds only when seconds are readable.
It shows 11.08
